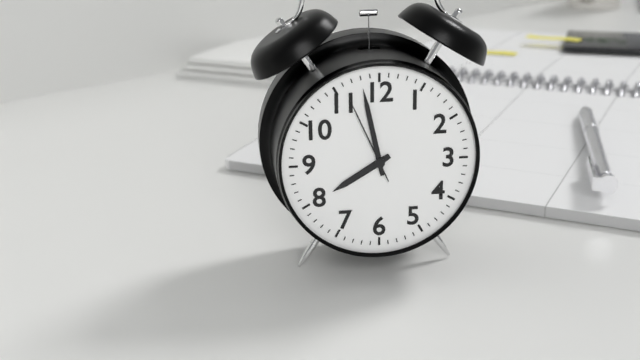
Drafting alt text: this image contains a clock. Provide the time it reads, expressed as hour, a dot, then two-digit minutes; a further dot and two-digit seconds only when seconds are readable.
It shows 7.58.56
